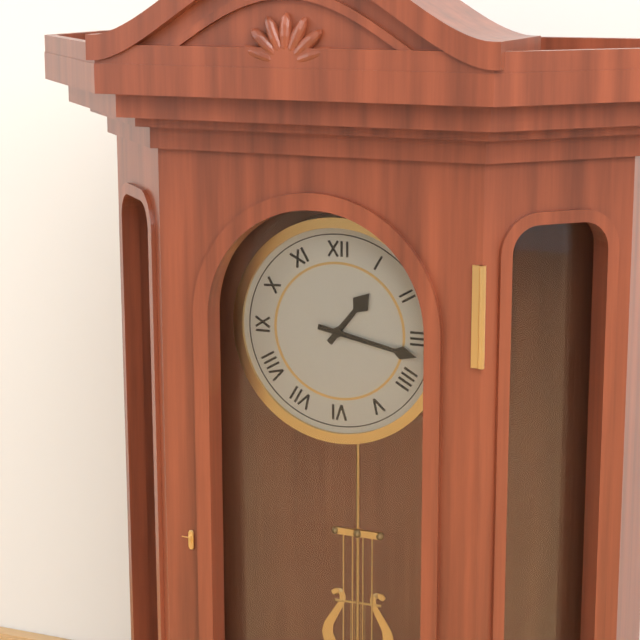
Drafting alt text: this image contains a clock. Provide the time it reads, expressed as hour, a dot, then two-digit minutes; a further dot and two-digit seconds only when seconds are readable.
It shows 1.17
